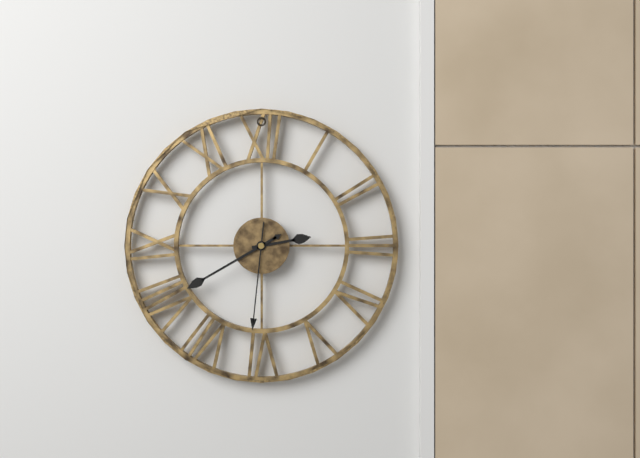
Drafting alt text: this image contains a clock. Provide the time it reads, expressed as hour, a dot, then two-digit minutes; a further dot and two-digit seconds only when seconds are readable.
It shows 2.40.31
